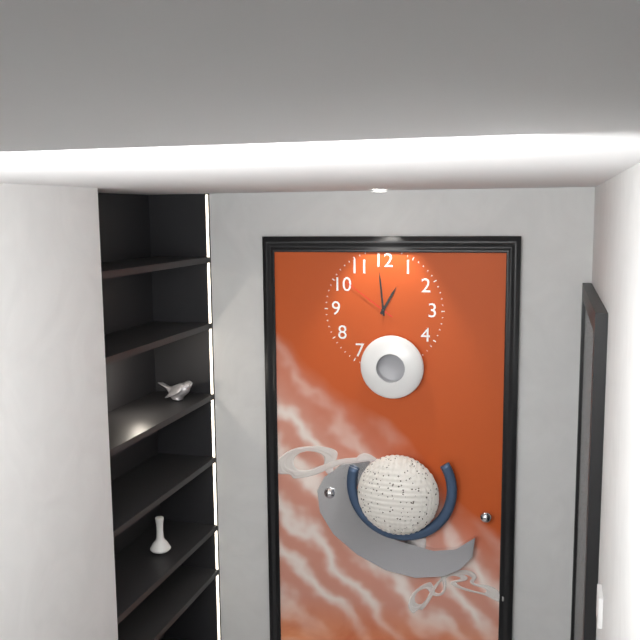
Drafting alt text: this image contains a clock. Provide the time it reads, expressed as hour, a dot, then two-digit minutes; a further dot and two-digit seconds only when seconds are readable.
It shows 12.59.51
